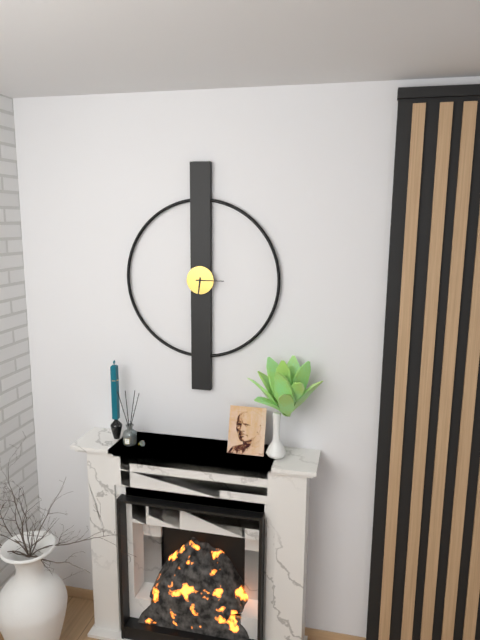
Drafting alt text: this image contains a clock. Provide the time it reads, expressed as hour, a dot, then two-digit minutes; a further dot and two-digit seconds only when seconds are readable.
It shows 6.15
